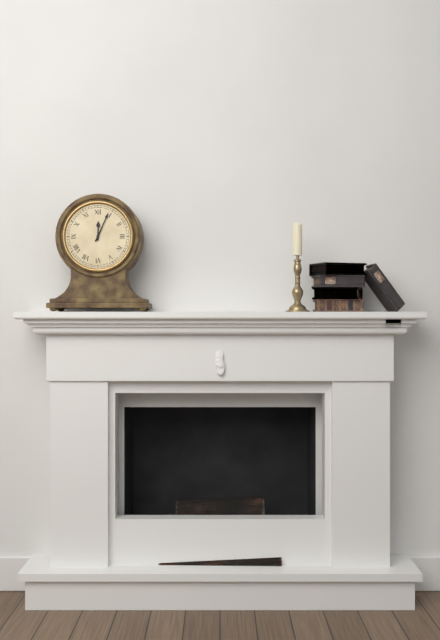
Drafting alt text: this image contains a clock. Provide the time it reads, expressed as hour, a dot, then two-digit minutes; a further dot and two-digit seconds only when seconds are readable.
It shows 12.04
